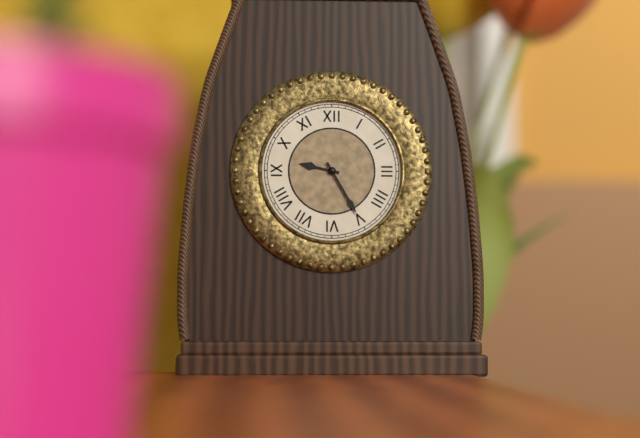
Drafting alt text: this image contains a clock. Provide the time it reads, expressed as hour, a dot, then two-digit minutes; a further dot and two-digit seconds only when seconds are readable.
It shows 9.25
